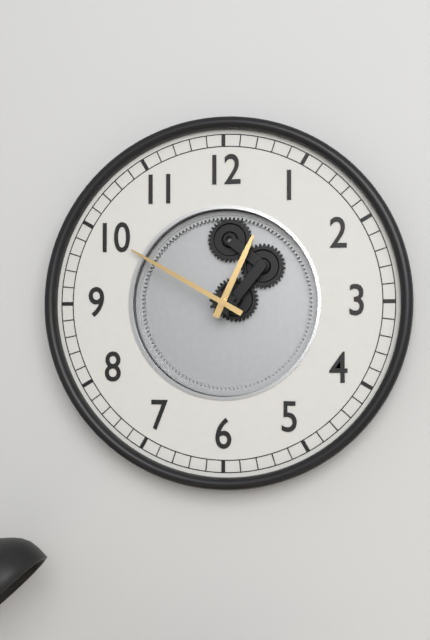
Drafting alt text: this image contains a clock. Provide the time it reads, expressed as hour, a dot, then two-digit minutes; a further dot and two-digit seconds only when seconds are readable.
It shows 12.50
